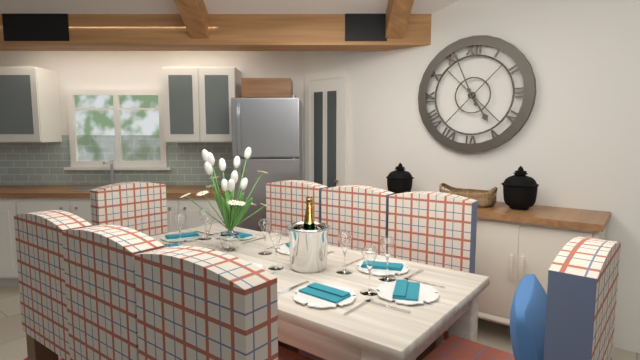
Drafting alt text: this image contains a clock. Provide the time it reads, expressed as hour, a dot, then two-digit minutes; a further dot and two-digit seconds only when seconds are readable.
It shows 4.56
